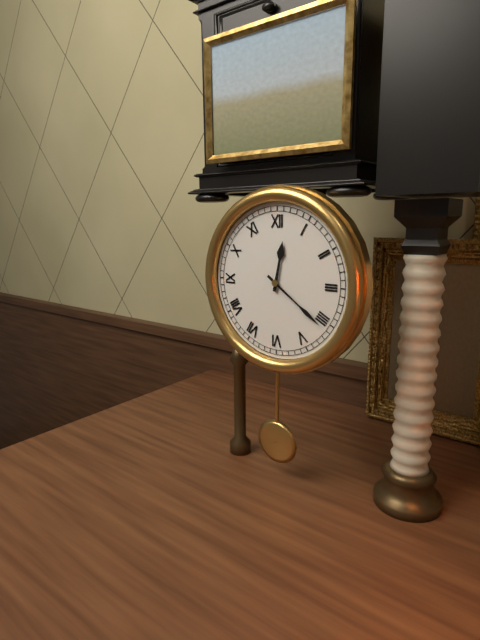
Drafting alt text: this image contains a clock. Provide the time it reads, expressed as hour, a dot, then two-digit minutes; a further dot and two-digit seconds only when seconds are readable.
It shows 12.21
